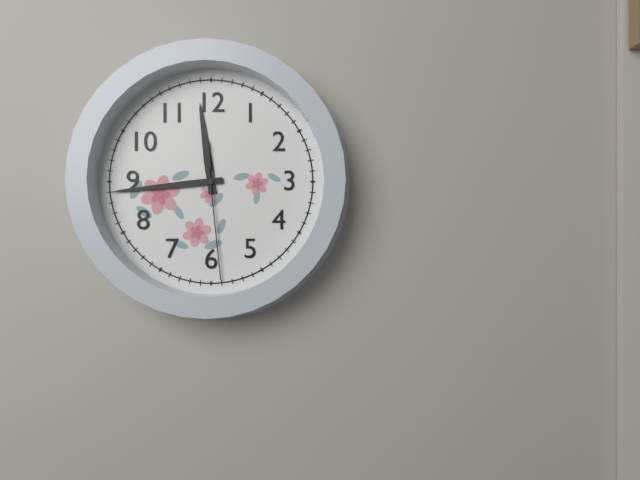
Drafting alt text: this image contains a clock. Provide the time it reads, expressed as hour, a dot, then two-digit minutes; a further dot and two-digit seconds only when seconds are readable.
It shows 11.44.29
